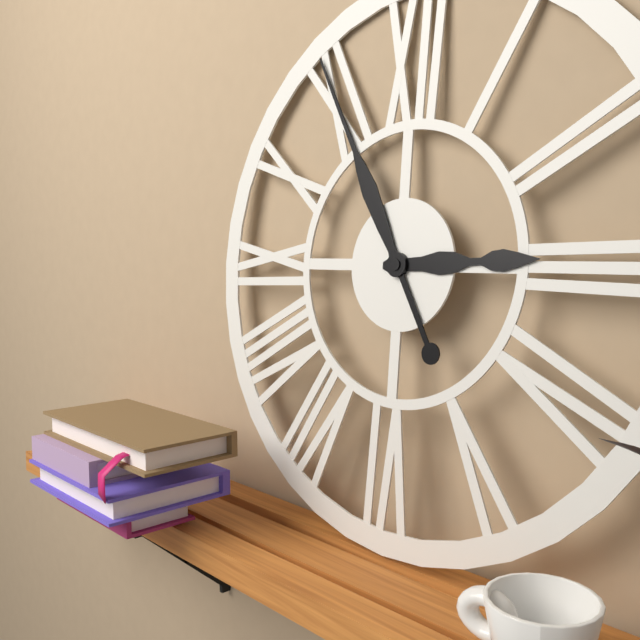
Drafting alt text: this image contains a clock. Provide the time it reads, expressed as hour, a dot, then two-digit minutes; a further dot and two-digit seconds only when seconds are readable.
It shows 2.55
